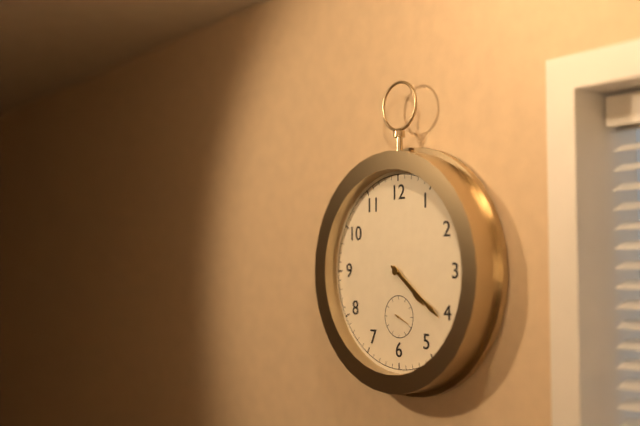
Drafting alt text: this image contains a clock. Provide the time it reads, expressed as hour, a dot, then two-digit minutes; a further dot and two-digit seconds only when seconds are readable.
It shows 4.21
